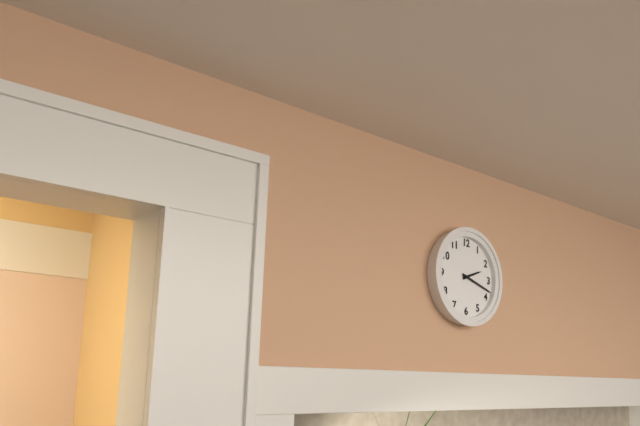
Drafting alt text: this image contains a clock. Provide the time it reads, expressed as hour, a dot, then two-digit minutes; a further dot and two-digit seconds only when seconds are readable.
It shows 2.18
